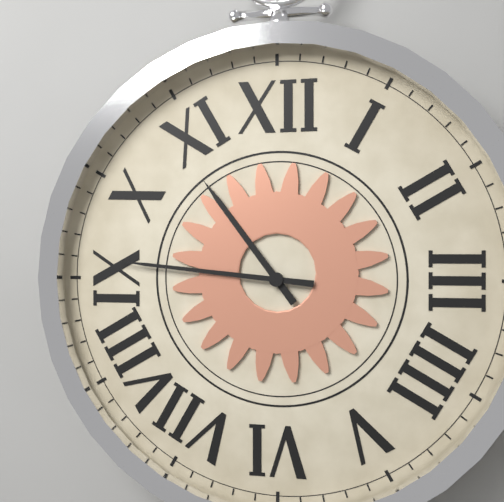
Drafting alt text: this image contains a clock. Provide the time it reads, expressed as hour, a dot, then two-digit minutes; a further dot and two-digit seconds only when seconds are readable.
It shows 10.46
